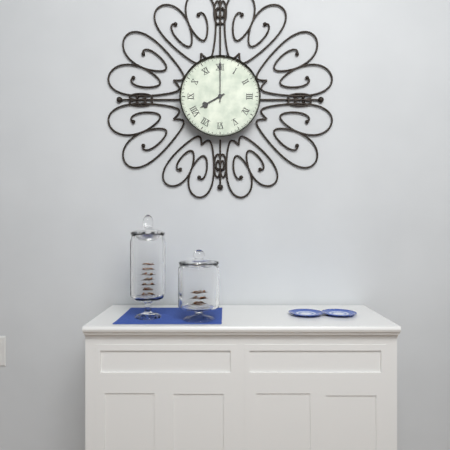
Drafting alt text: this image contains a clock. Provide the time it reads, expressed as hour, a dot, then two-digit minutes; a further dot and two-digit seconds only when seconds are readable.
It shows 8.00
